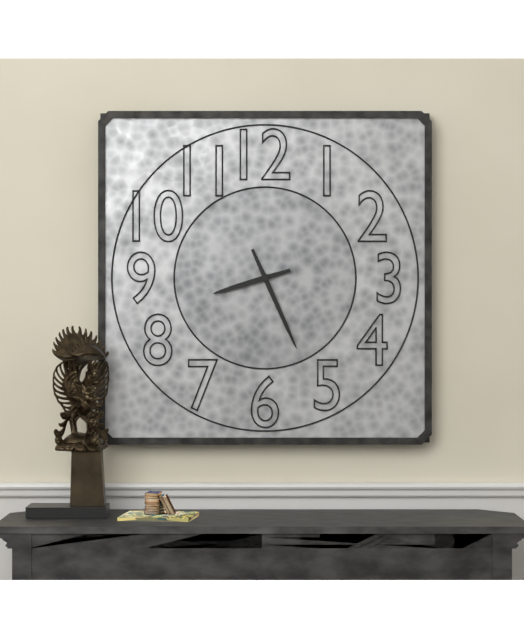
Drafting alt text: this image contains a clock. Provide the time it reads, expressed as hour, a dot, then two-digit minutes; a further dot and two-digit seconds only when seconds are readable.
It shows 8.26
